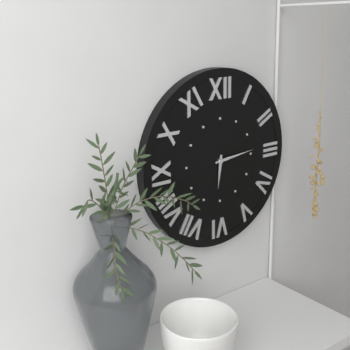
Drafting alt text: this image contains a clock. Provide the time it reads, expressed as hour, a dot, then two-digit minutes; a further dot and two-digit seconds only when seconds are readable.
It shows 6.14
